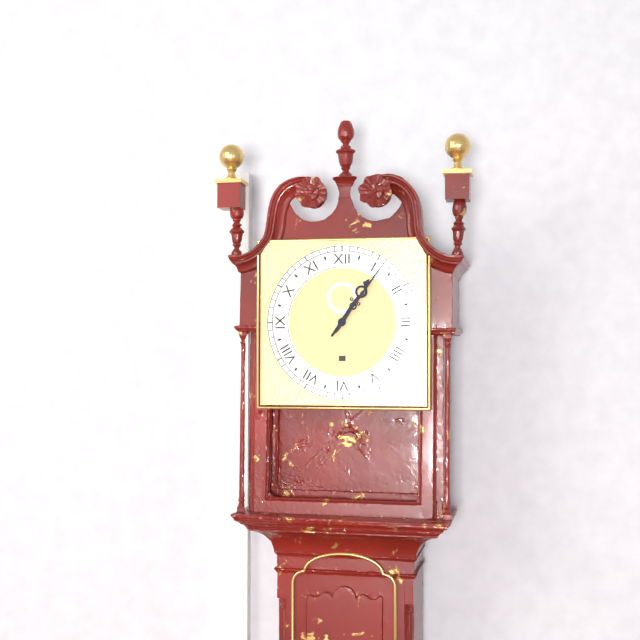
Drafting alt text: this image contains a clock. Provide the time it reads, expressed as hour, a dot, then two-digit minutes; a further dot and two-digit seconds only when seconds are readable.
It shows 1.06
